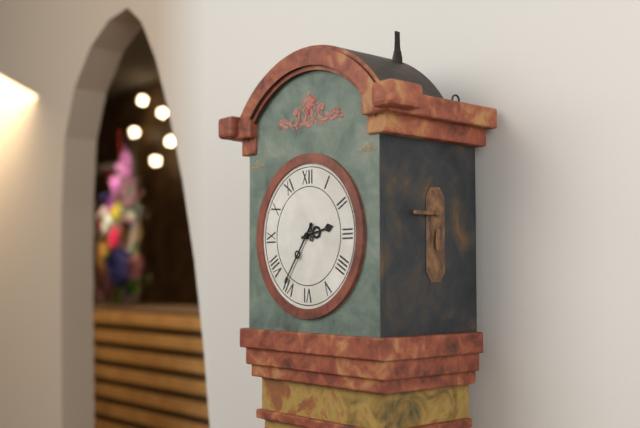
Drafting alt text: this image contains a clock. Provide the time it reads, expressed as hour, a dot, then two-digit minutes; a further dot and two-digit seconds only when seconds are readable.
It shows 2.36
